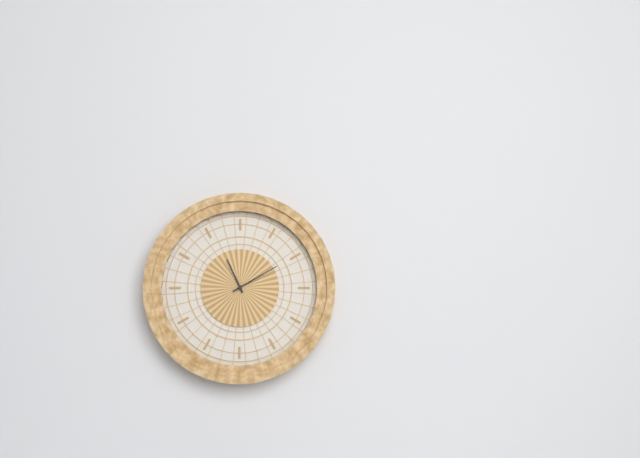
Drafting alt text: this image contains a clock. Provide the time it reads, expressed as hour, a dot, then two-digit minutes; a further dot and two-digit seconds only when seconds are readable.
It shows 11.10
